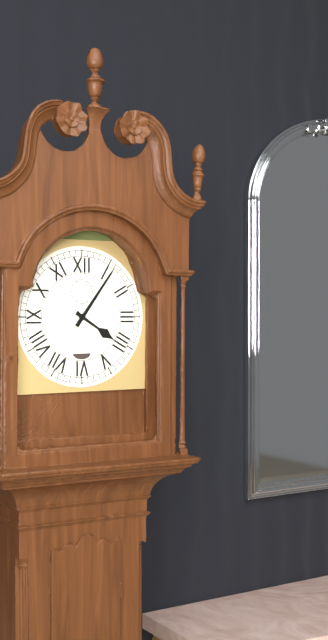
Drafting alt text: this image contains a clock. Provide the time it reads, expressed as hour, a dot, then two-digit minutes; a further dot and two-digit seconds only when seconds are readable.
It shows 4.06
